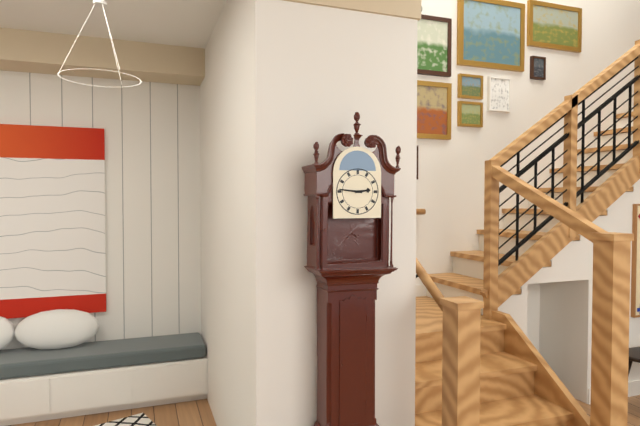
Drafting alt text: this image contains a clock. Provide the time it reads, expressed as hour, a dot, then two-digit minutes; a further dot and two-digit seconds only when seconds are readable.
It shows 2.46
